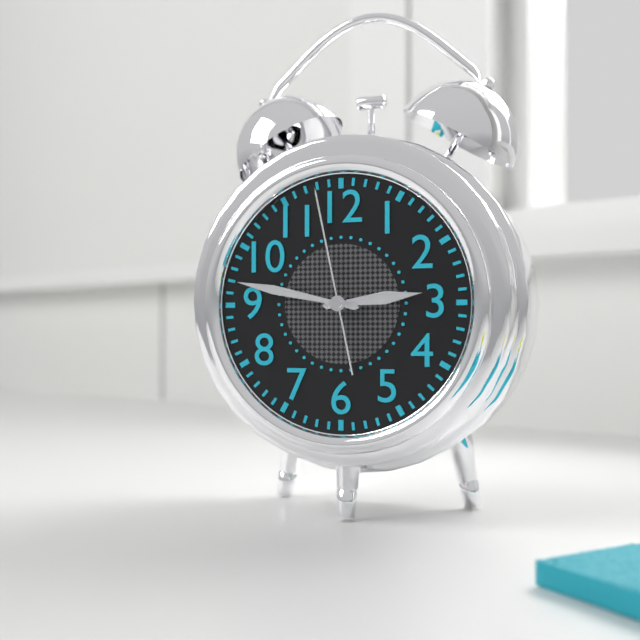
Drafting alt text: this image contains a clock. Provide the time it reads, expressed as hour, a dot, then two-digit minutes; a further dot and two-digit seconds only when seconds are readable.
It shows 2.47.58
